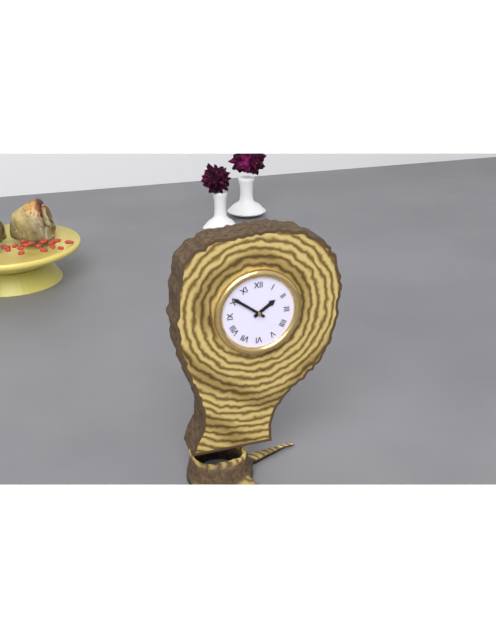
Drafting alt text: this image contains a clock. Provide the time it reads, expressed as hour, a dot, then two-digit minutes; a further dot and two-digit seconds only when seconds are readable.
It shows 1.51
